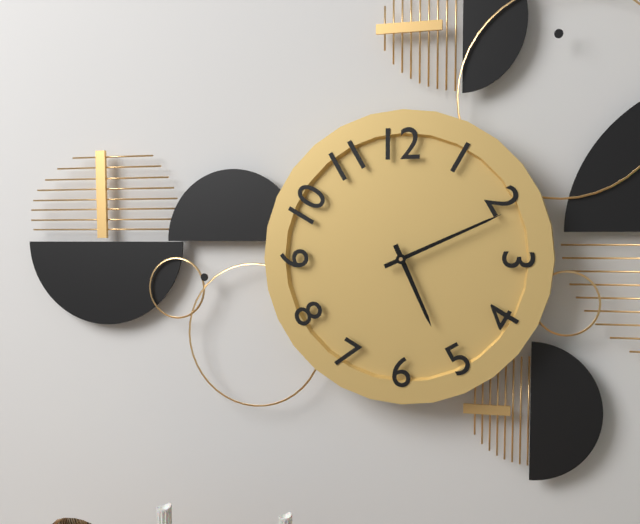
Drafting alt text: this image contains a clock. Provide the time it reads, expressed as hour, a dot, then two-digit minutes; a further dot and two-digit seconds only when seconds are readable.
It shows 5.11
